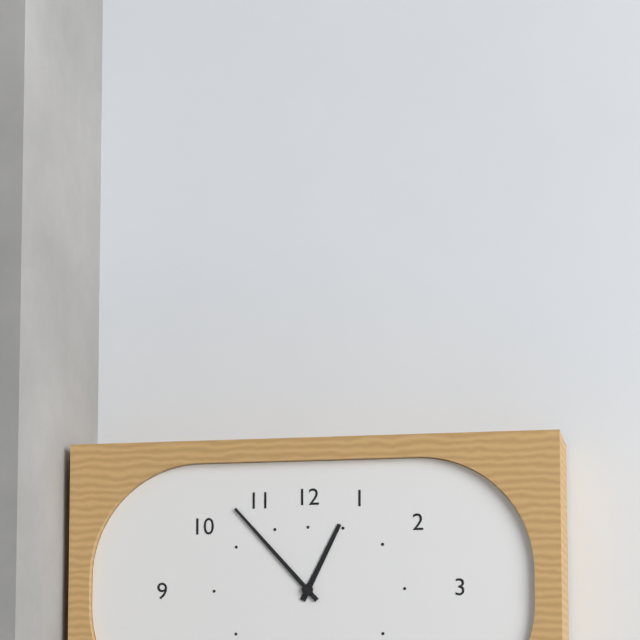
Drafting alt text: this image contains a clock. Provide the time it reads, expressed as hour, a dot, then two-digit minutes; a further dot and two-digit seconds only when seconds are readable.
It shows 12.53
